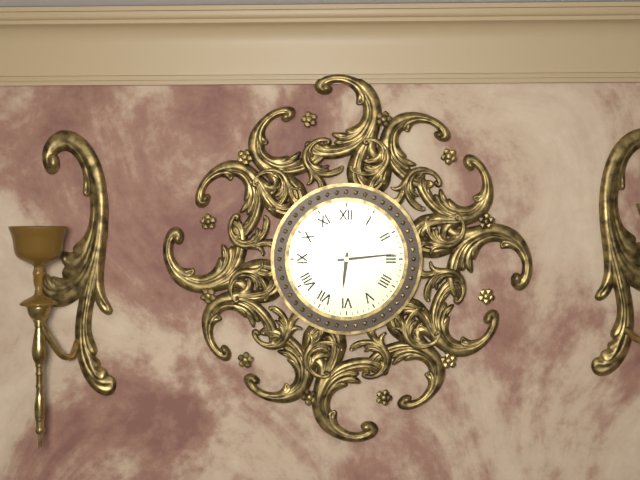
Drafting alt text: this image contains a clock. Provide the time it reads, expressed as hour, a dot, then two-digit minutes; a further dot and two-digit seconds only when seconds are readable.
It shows 6.14
